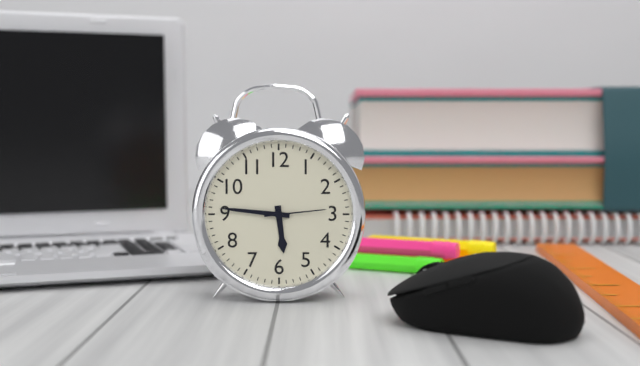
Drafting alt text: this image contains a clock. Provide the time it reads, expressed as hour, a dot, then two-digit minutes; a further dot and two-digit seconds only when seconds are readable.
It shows 5.46.14
